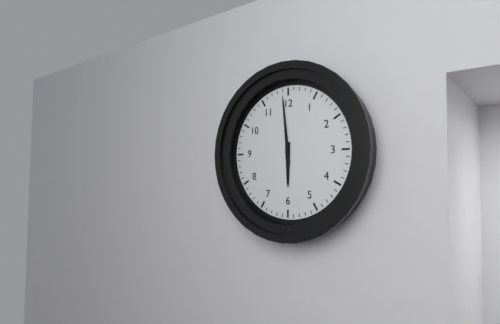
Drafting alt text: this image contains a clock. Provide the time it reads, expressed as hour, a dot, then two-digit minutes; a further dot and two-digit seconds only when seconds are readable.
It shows 5.59
